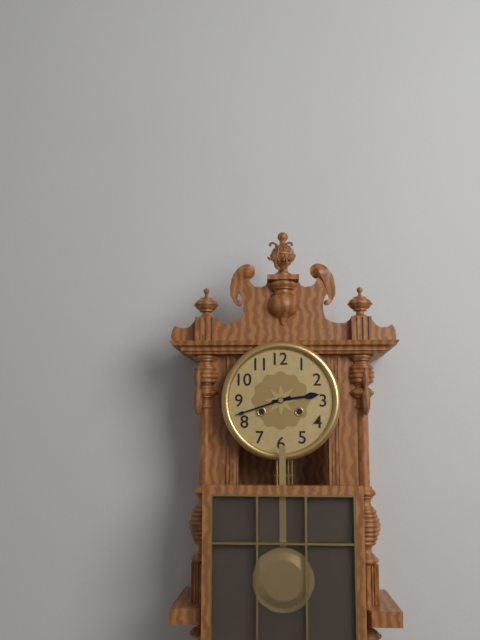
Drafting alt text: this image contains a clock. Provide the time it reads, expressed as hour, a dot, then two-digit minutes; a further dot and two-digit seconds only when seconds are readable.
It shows 2.42
